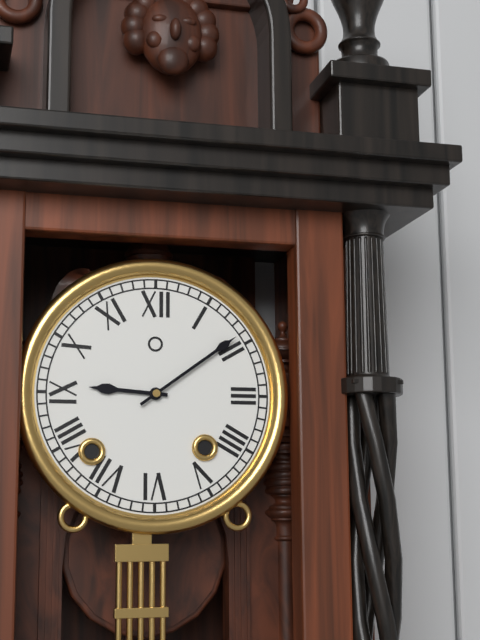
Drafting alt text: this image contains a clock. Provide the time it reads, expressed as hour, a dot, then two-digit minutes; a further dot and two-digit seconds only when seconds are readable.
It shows 9.09
